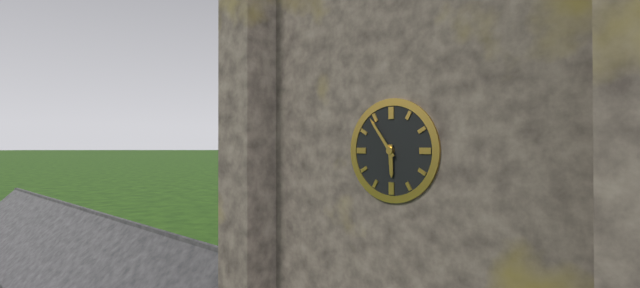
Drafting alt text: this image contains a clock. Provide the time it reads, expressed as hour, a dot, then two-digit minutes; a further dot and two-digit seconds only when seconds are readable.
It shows 5.54
